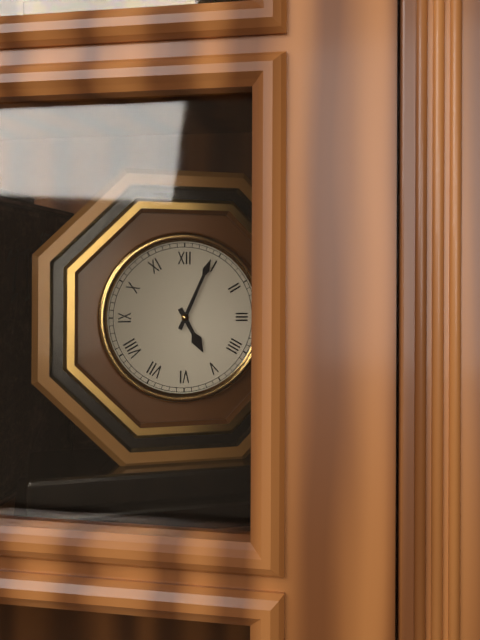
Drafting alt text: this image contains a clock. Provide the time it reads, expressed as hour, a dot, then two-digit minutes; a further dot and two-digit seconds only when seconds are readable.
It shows 5.04
